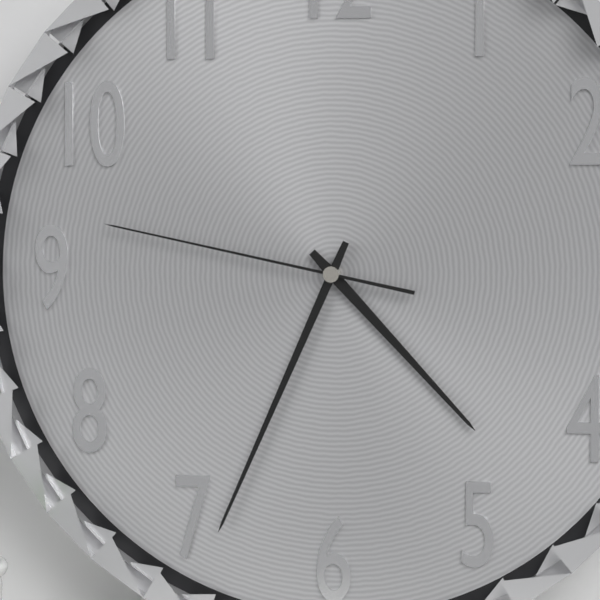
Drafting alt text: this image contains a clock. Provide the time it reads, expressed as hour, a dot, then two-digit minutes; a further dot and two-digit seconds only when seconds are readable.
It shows 4.34.47
